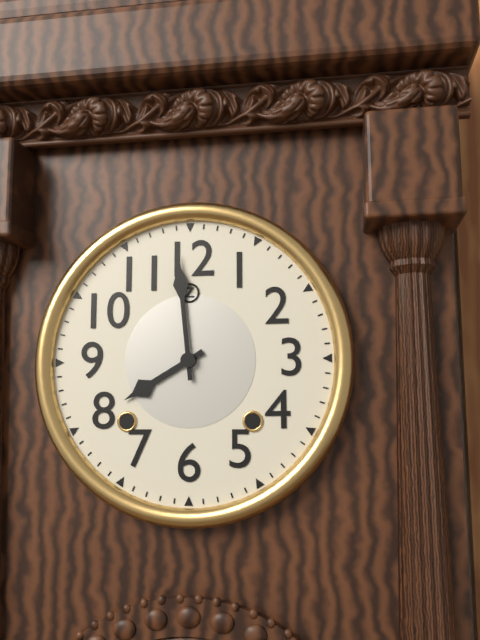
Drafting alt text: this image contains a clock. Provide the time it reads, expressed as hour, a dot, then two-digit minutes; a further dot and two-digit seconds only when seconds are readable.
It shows 7.59
